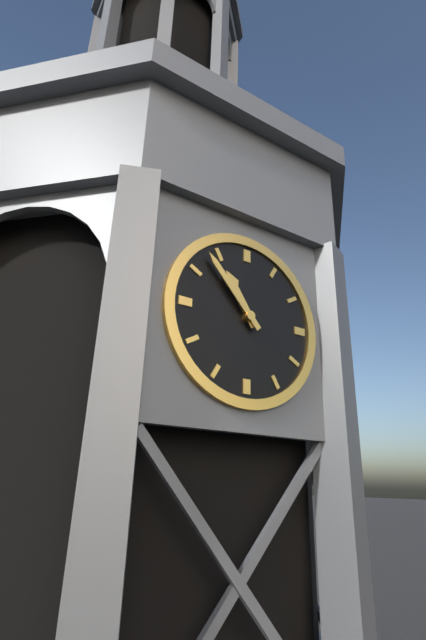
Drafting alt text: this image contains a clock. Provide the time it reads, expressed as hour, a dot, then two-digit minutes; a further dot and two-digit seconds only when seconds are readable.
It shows 10.53
